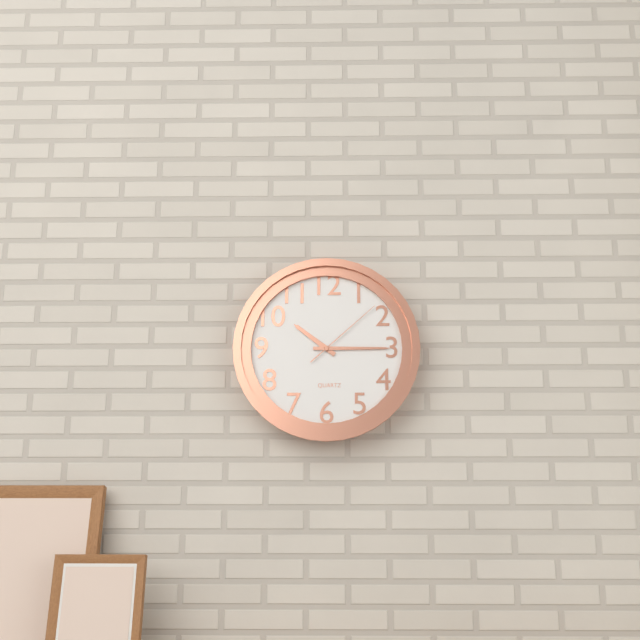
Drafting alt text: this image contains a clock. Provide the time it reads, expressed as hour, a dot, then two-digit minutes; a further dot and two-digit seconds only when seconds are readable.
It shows 10.15.08
